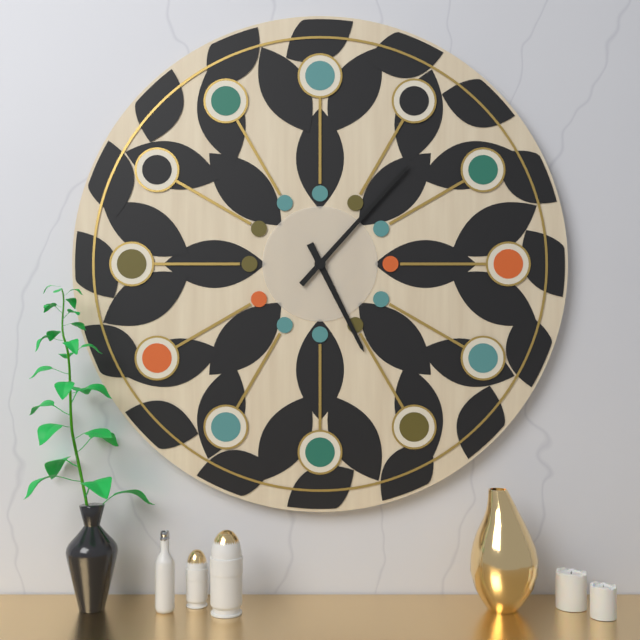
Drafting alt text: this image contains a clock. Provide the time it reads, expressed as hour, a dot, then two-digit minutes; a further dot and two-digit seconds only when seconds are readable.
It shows 5.07
